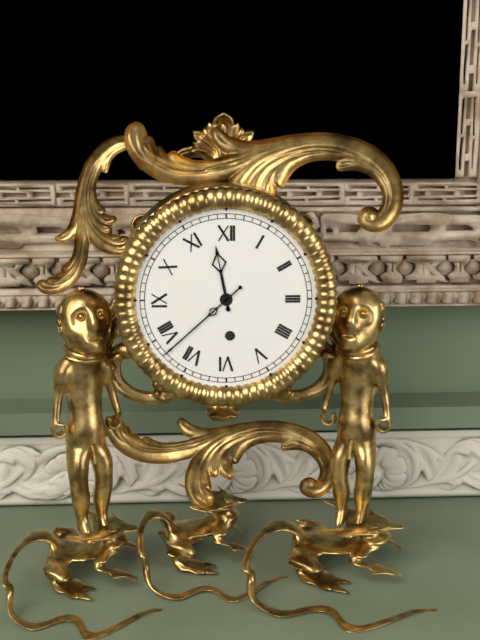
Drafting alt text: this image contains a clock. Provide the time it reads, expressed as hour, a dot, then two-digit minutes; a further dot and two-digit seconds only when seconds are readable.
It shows 11.38
